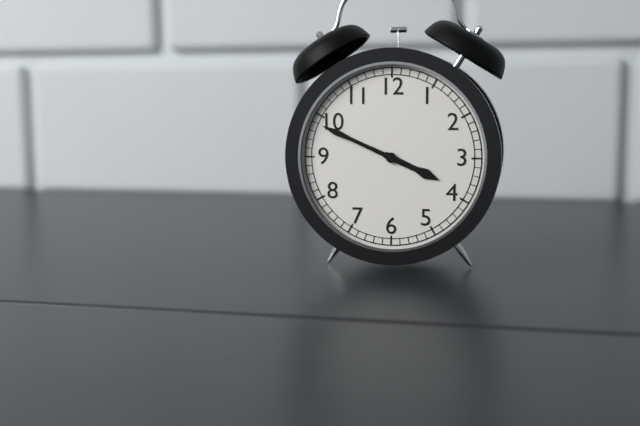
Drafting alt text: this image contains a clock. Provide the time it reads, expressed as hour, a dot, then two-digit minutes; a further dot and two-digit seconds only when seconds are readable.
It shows 3.49
